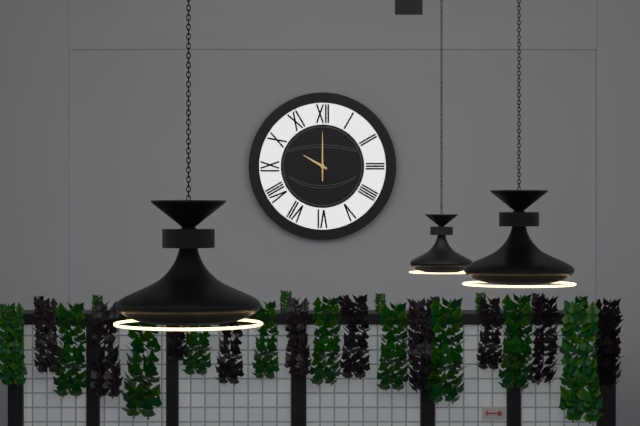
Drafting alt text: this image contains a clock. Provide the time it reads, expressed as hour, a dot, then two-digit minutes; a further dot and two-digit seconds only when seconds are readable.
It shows 10.00
